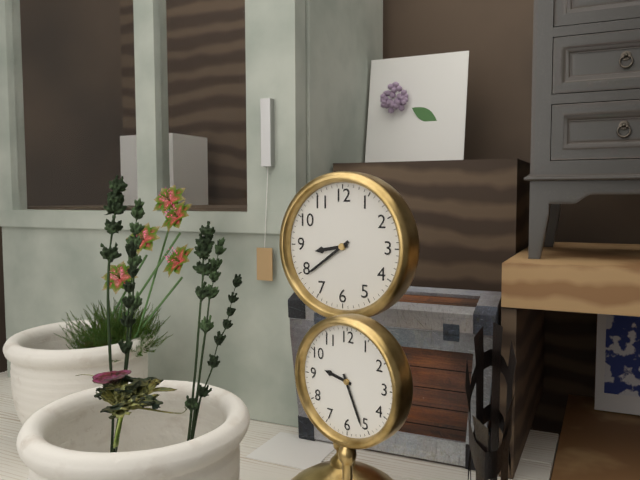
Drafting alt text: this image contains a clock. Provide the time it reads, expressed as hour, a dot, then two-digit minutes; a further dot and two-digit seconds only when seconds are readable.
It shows 8.39
